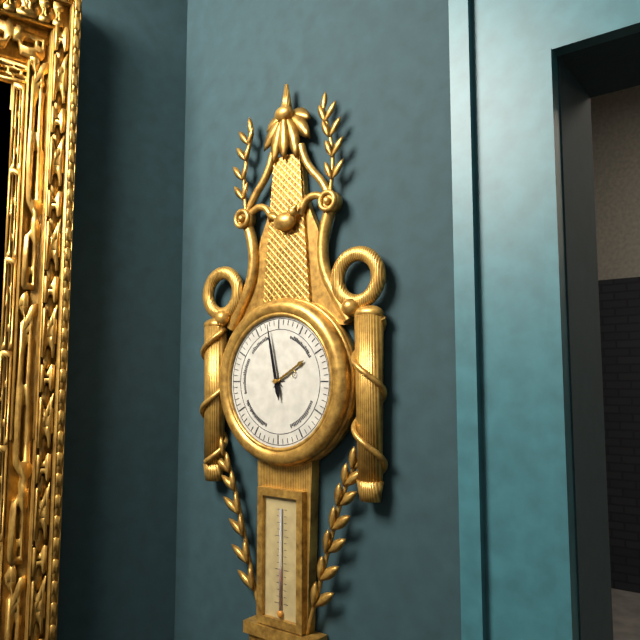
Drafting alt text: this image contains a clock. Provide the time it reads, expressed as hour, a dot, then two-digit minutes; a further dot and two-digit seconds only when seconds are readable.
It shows 1.58
